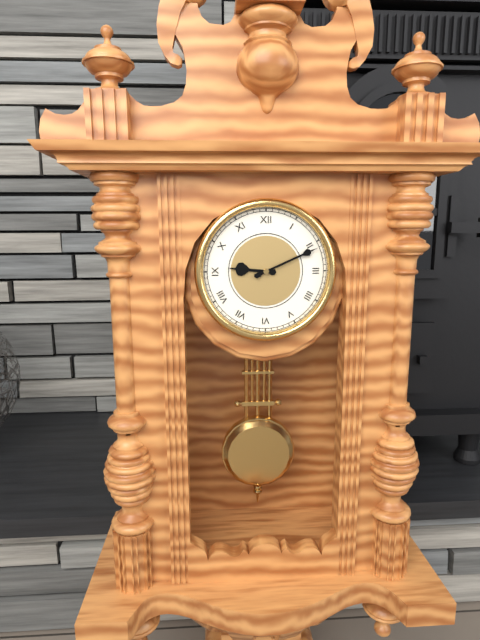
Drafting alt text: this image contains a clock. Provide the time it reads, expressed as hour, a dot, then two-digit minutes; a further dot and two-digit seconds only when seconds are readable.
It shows 9.11
